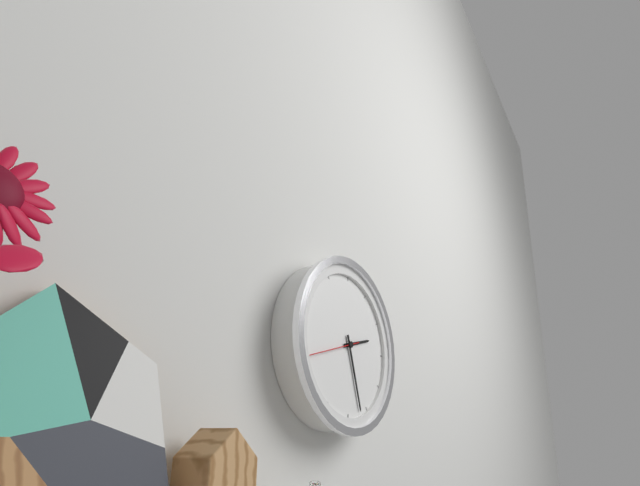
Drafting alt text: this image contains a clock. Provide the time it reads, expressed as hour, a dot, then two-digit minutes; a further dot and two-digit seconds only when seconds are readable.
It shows 2.27.42
